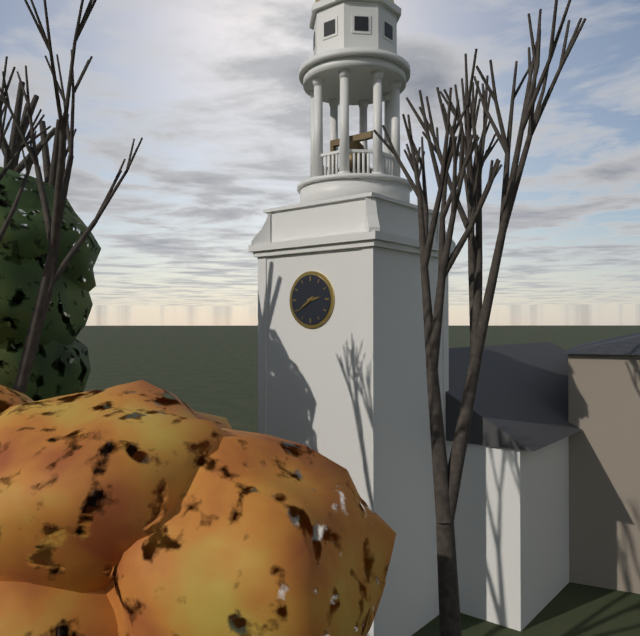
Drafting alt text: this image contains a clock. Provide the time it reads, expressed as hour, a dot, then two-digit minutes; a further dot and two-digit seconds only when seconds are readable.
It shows 2.39
